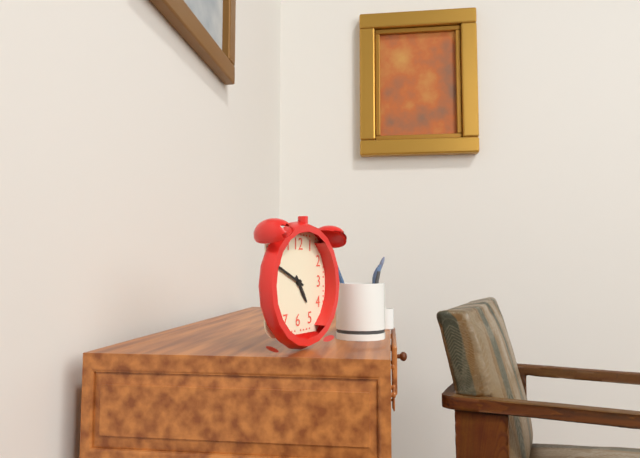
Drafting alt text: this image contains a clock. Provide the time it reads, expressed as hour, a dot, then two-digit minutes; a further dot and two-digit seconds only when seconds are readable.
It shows 4.49
